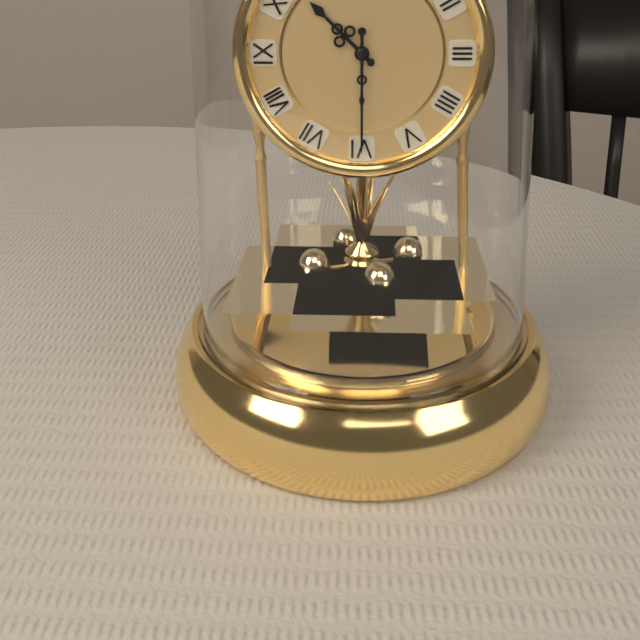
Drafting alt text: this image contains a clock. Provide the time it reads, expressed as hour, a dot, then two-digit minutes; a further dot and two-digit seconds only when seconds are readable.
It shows 10.30
